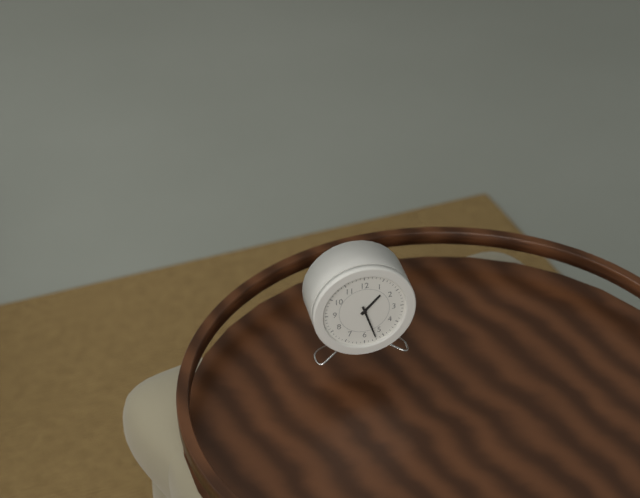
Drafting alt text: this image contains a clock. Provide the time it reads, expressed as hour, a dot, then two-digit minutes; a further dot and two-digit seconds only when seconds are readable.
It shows 1.27
